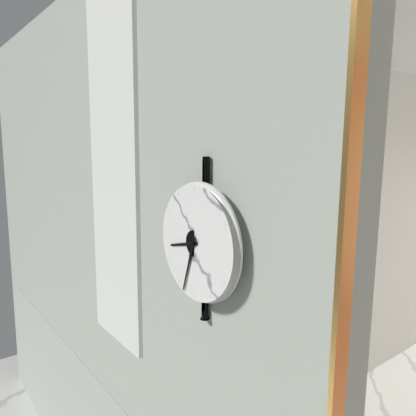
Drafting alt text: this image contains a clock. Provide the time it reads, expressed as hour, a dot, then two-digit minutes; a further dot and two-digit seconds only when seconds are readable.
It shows 8.33
